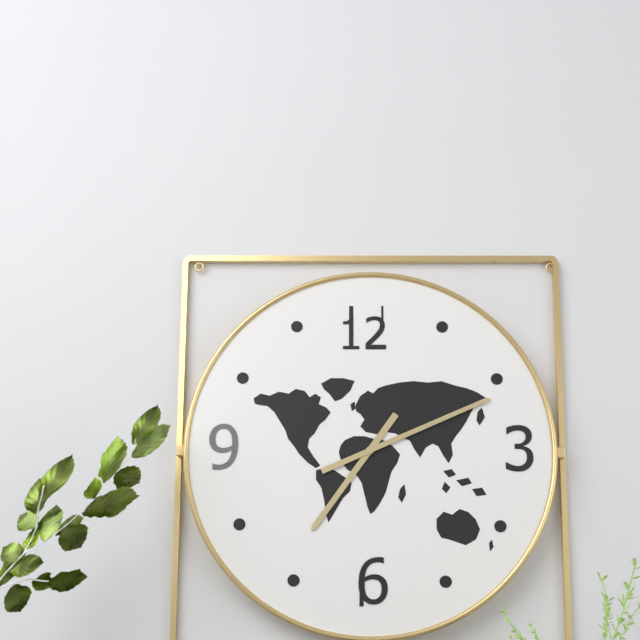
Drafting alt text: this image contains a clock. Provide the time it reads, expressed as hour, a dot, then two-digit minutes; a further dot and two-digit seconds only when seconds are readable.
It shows 7.11
